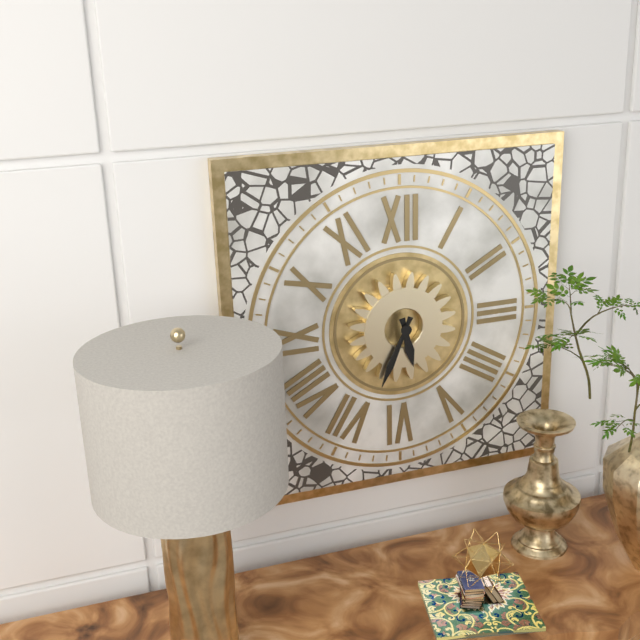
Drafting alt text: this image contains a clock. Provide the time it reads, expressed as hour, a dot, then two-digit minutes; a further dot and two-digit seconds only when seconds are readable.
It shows 5.34
